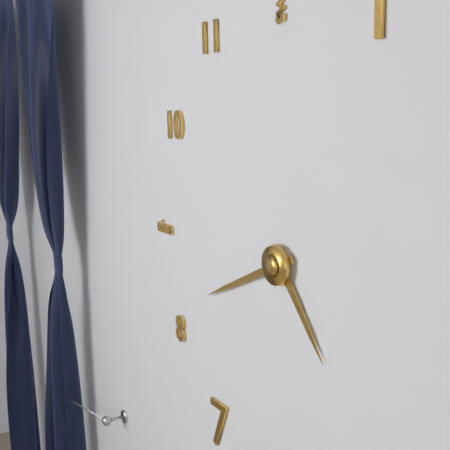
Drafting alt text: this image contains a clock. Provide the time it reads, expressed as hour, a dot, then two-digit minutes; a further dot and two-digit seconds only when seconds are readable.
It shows 4.41
